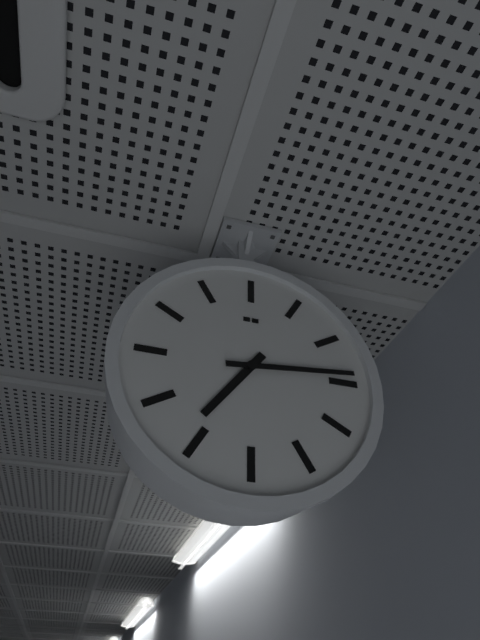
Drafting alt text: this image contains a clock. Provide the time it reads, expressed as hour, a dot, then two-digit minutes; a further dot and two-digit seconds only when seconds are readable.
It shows 7.14
